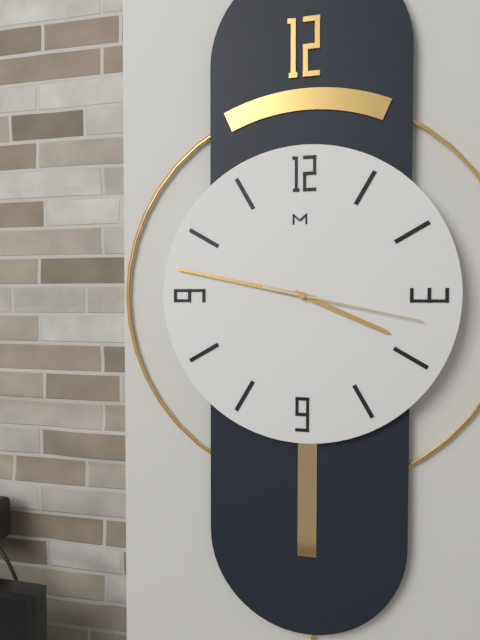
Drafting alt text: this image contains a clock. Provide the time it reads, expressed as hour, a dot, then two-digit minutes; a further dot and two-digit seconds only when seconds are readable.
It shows 3.47.17
